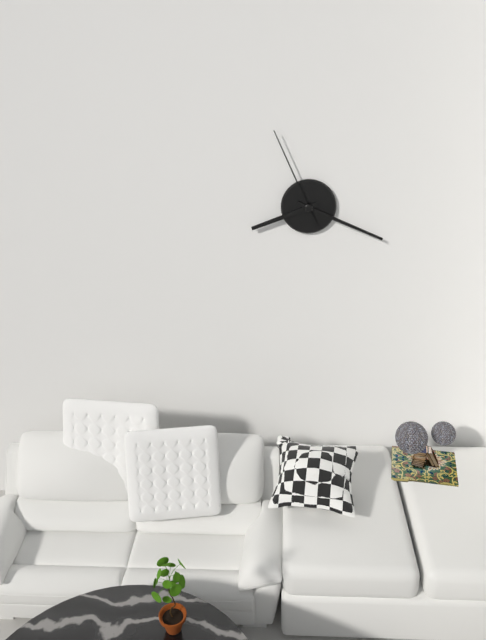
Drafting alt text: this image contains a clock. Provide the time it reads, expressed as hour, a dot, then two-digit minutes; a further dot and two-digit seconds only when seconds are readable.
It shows 8.19.56
